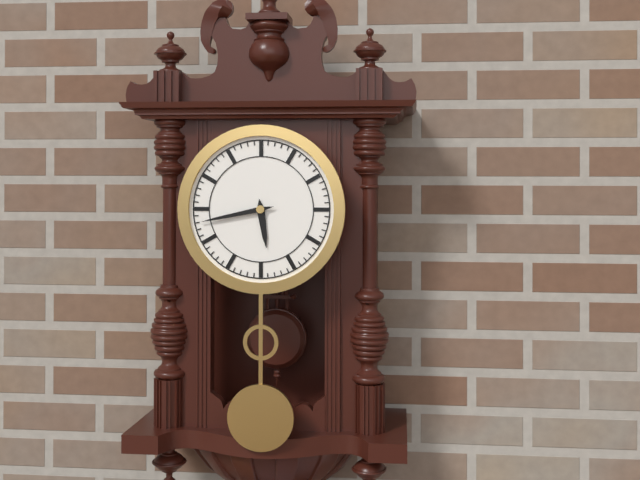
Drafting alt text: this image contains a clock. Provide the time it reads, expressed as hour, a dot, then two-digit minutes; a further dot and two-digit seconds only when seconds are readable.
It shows 5.43
